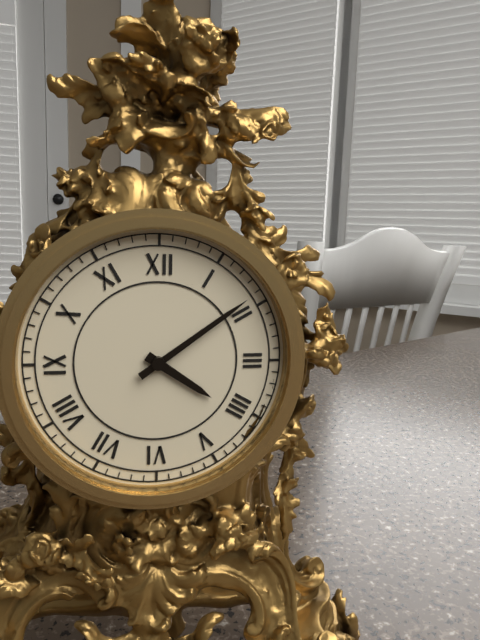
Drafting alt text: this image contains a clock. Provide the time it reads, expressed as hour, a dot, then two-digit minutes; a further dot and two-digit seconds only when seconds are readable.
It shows 4.09
